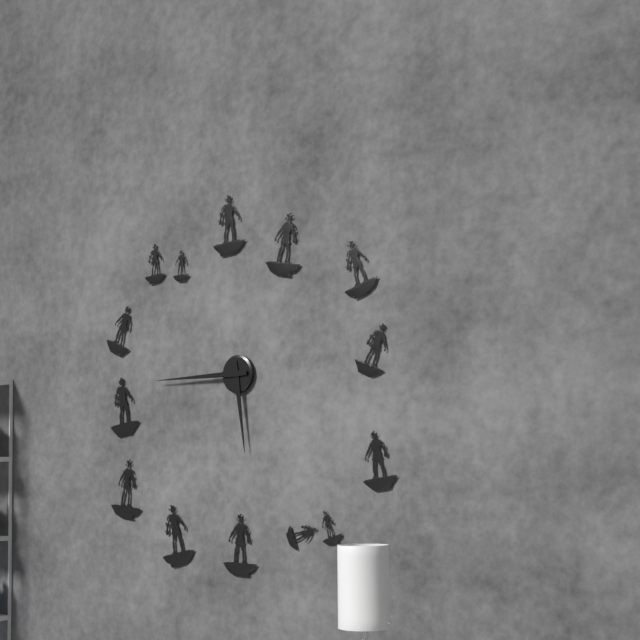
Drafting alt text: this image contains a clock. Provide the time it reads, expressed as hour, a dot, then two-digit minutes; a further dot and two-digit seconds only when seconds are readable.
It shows 5.45
